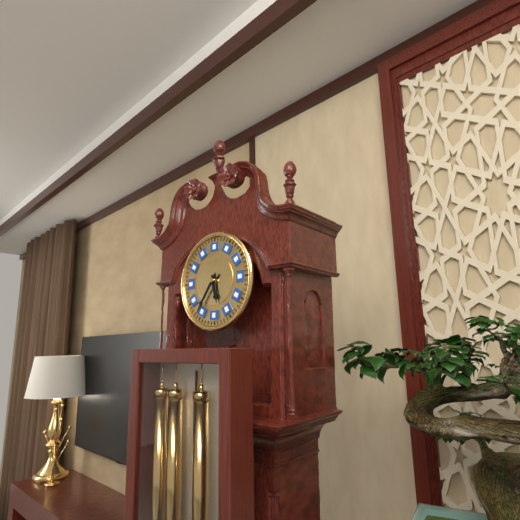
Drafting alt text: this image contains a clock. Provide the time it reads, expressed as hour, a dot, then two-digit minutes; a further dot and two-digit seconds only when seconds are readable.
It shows 5.36
